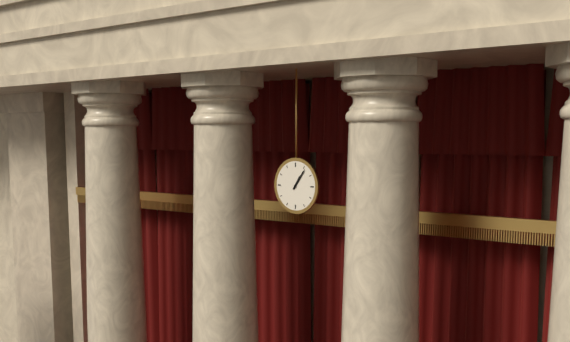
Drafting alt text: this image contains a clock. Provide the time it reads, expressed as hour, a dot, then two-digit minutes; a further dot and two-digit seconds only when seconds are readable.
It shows 1.06
